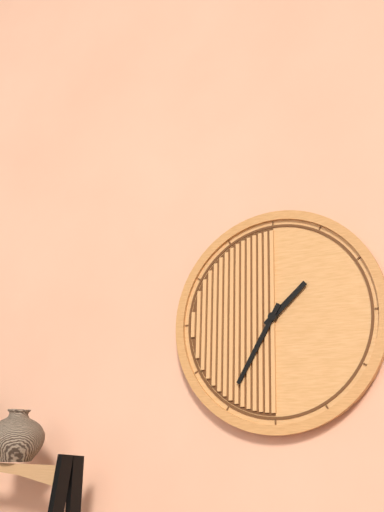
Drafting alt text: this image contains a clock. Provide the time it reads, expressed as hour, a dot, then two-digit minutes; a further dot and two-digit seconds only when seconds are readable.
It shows 1.35
